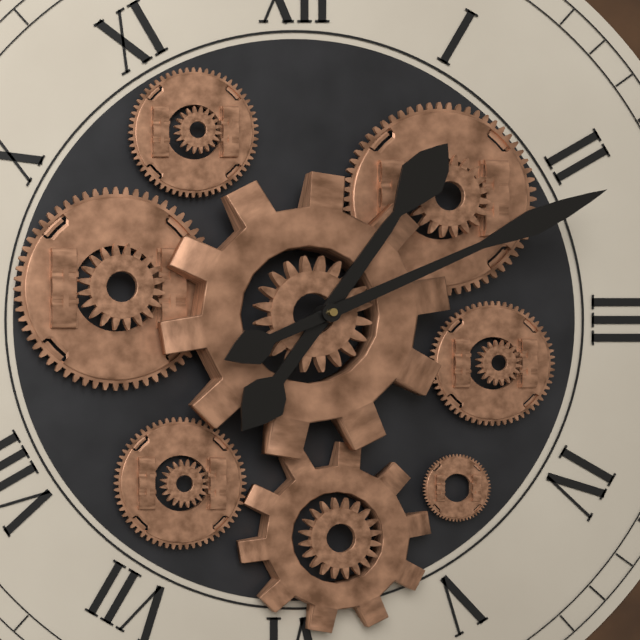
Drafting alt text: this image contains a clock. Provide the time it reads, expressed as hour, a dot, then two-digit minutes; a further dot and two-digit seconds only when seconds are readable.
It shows 1.11
